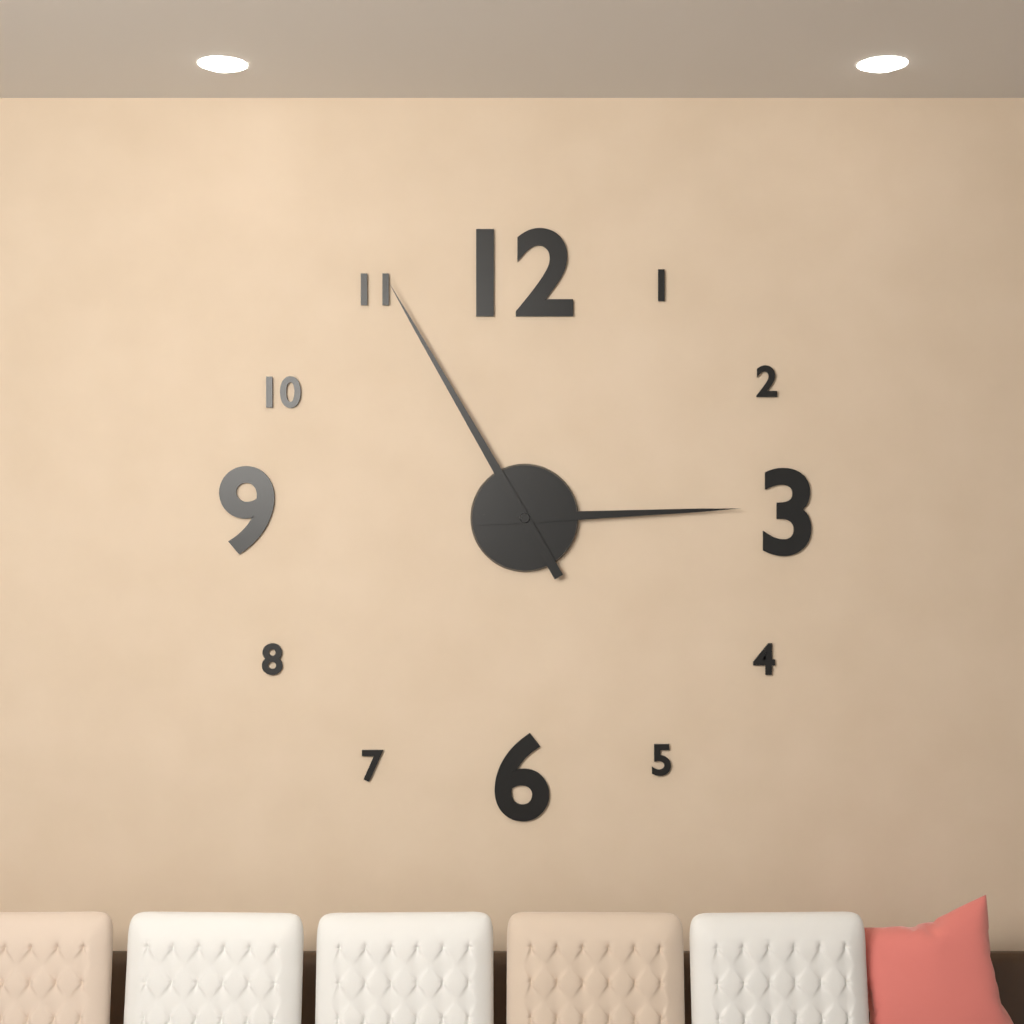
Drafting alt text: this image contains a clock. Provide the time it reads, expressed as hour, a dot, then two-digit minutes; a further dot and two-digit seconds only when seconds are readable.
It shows 2.55
